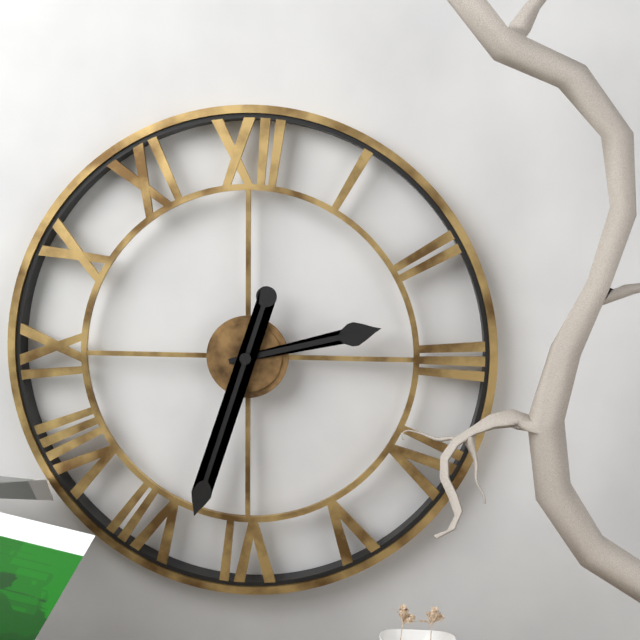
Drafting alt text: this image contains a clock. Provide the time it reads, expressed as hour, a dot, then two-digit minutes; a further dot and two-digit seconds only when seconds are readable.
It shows 2.33
